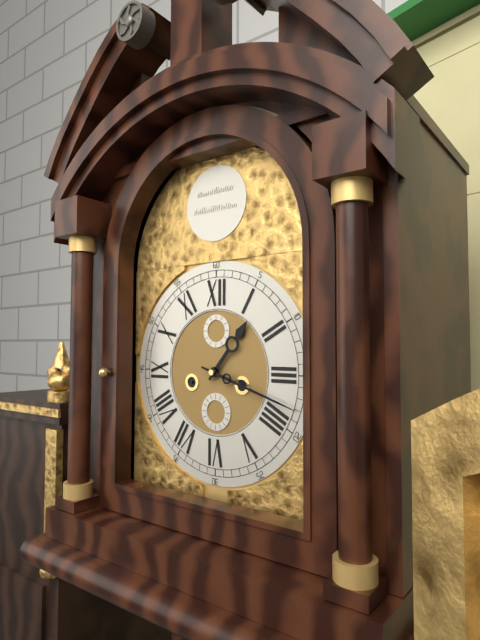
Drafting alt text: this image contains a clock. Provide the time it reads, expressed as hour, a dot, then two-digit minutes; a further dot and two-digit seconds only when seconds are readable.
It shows 1.18
